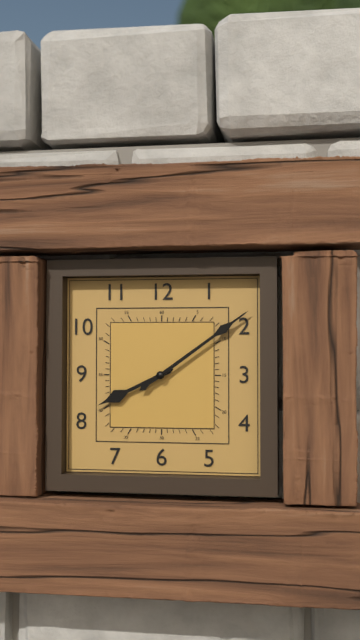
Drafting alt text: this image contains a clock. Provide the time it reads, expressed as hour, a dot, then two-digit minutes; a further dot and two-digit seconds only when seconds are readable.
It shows 8.09
